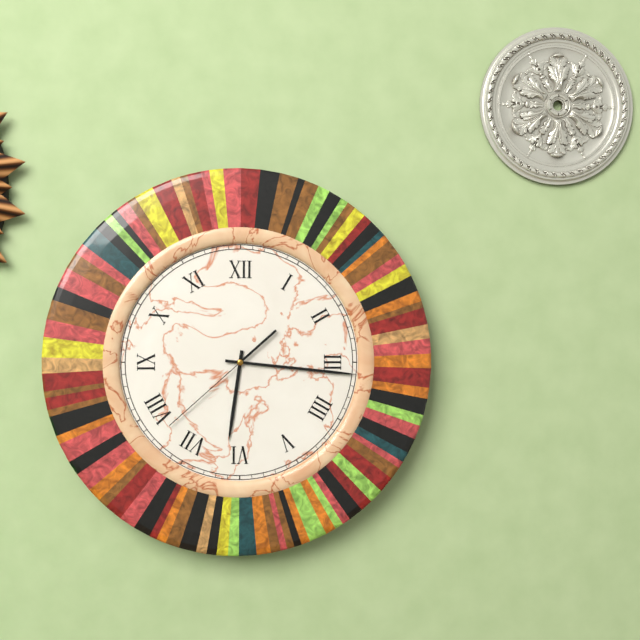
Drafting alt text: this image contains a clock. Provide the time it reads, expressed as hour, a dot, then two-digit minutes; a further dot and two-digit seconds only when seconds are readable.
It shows 6.16.38
